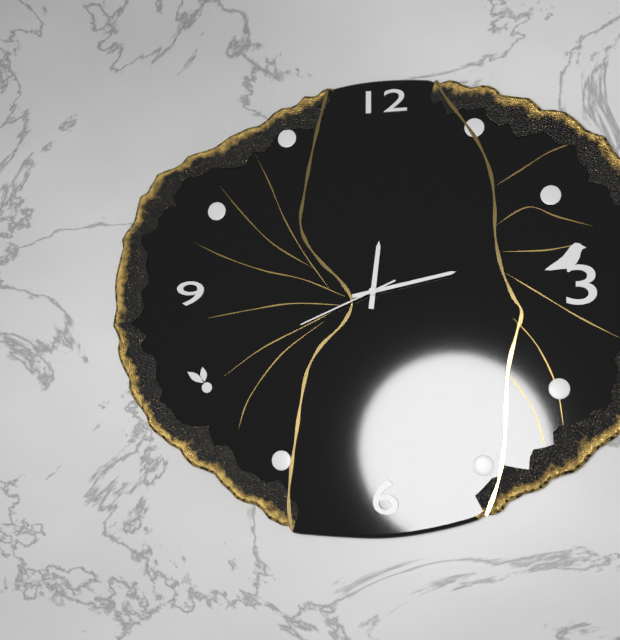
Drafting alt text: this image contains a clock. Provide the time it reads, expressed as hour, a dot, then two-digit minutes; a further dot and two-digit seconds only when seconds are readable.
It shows 12.13.41
